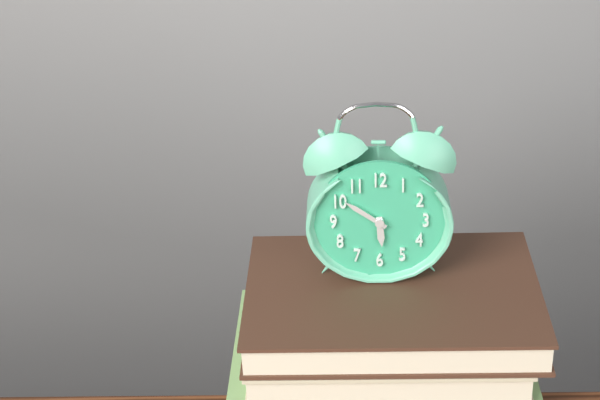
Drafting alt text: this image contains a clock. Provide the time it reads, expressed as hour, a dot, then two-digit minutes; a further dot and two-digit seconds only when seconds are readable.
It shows 5.51
